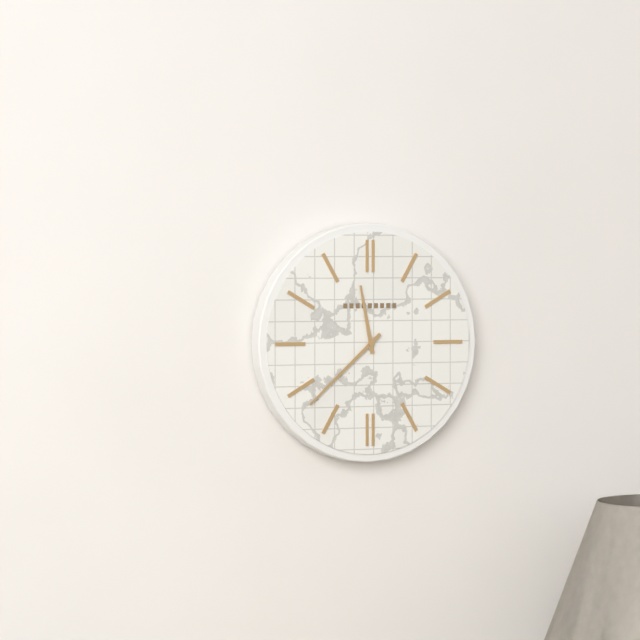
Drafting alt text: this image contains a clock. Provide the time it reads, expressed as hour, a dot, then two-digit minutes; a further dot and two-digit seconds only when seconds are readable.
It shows 11.38
